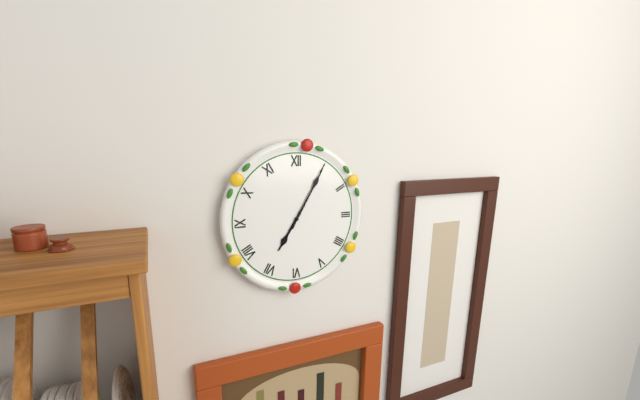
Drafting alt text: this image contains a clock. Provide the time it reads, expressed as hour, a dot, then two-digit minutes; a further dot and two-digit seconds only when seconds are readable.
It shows 7.05
